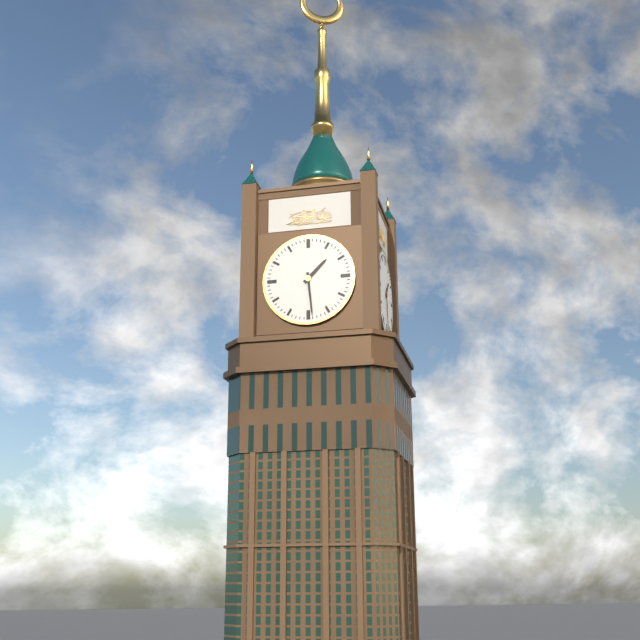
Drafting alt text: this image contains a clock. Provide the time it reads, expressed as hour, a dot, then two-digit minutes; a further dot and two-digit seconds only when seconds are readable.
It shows 1.29
